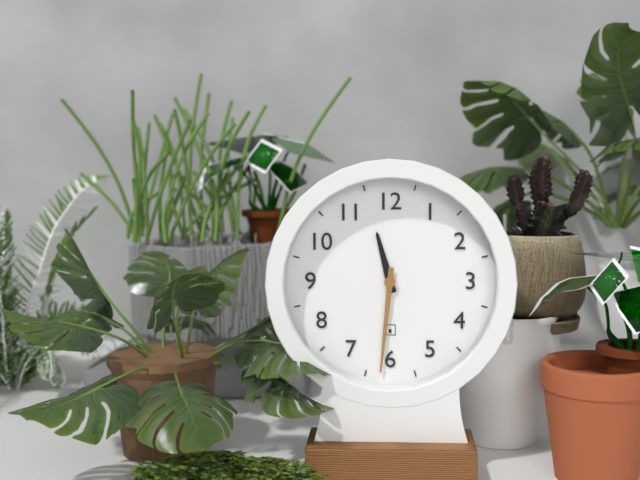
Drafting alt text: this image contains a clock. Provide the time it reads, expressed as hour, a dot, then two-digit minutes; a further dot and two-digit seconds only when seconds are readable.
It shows 11.31
